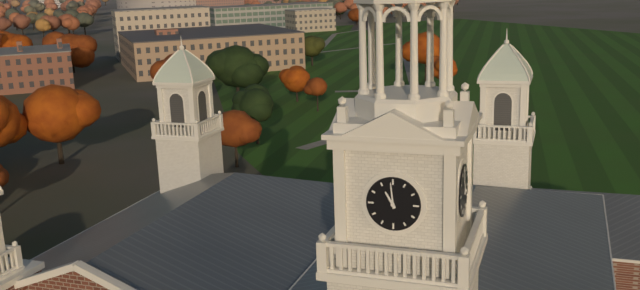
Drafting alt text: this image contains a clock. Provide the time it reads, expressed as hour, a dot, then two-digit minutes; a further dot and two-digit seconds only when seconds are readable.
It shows 10.59
